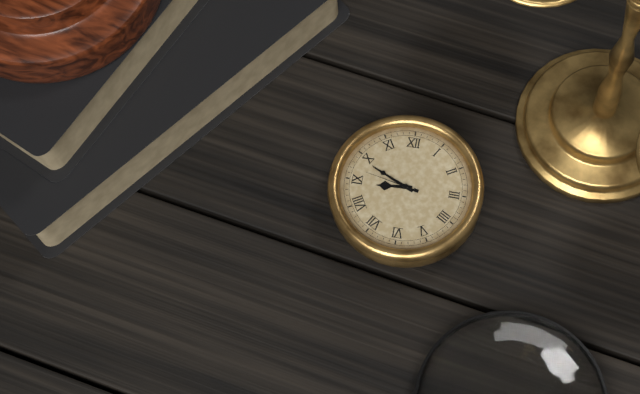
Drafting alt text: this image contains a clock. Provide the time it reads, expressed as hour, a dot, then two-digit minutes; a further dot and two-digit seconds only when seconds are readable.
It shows 8.49.47
